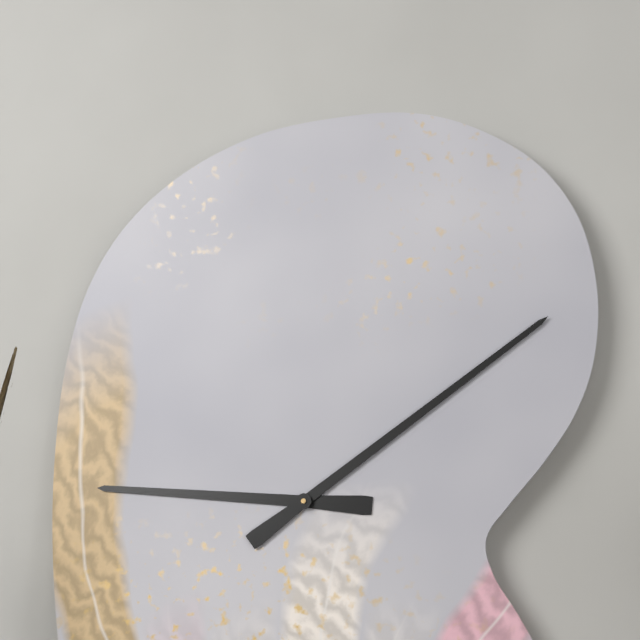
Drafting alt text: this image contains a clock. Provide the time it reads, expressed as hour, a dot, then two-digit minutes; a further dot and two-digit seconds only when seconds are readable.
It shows 9.09
